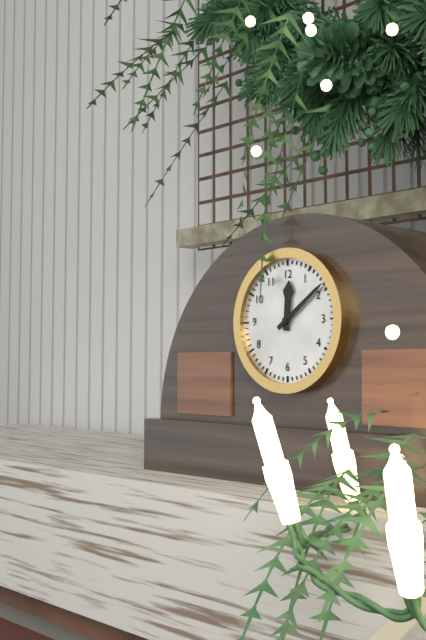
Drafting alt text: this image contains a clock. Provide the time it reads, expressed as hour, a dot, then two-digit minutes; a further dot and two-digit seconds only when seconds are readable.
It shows 12.09
